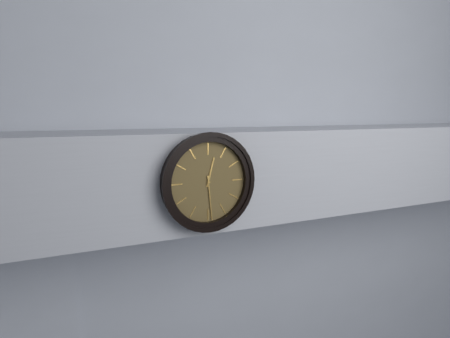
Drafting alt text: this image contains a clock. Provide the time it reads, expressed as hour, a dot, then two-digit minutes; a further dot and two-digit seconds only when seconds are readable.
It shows 12.29
